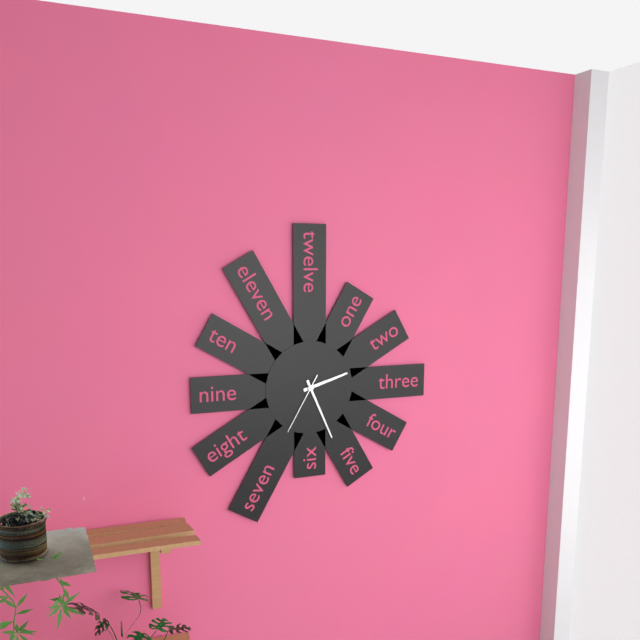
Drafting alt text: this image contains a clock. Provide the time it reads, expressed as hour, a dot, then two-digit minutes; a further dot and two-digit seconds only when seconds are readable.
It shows 2.26.35
